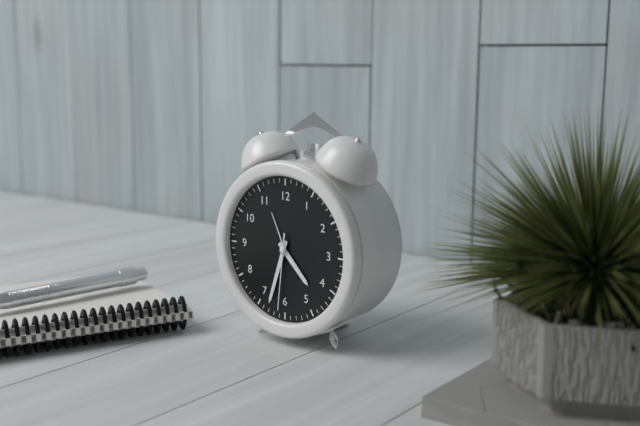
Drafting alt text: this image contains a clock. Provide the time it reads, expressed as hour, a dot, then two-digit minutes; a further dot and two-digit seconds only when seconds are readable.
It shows 4.33.31
